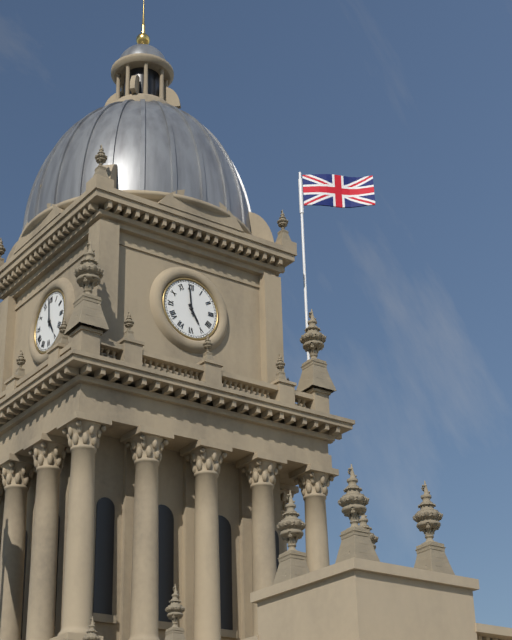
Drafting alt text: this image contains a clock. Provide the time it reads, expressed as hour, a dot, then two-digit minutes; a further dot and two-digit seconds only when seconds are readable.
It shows 4.59
